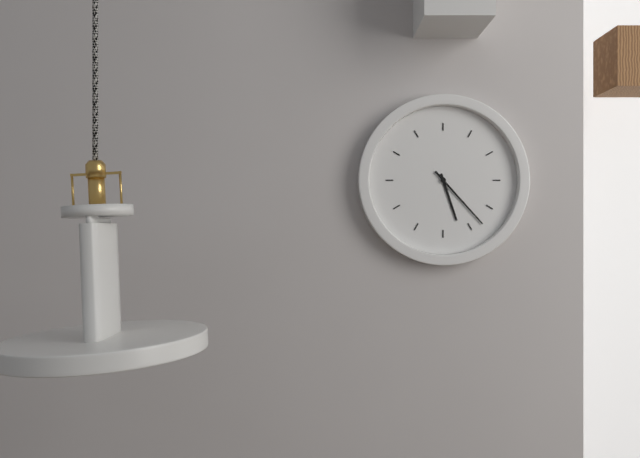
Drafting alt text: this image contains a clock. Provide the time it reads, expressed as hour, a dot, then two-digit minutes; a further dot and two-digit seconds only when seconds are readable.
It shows 5.23
